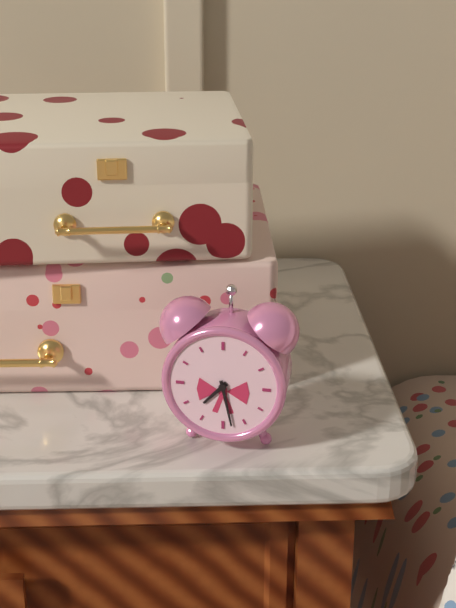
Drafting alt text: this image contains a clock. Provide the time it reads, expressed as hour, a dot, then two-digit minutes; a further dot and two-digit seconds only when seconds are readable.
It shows 7.28
